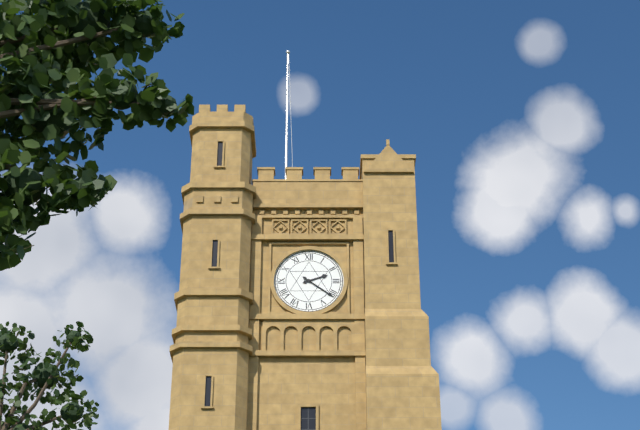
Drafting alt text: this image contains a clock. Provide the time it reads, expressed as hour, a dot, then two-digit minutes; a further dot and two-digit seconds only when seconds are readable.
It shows 2.21
